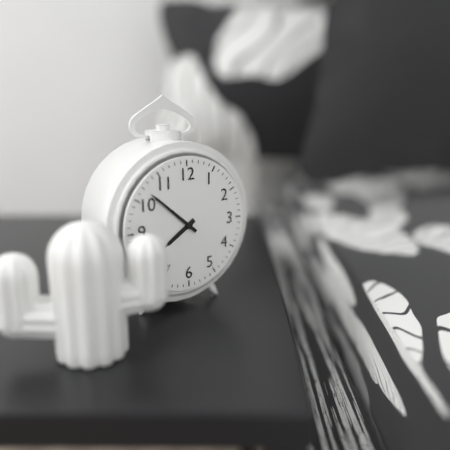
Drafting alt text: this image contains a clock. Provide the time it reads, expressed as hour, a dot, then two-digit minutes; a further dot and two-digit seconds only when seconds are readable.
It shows 7.52
